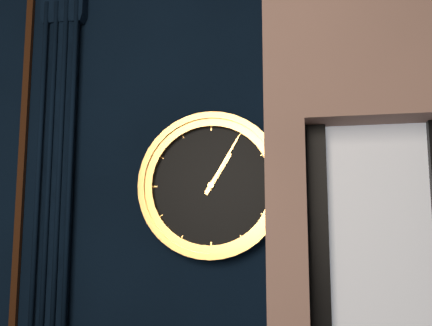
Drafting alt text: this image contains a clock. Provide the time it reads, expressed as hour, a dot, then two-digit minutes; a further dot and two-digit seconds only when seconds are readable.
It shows 1.05
